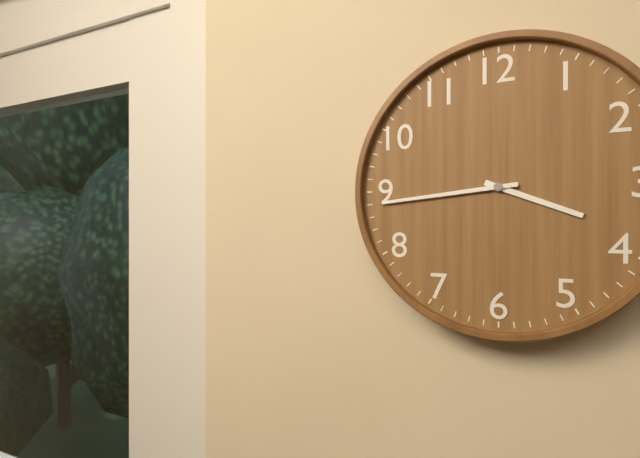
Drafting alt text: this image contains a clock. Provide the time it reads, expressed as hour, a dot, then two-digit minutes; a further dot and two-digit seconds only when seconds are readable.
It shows 3.44
